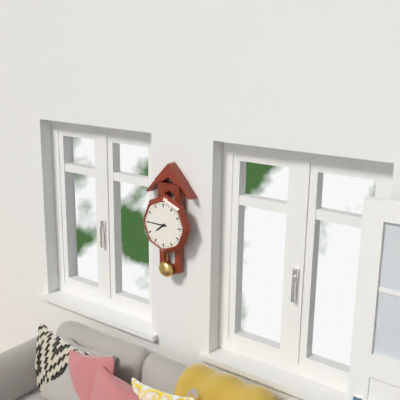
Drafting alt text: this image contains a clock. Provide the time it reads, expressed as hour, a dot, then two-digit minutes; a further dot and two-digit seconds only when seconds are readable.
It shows 7.45
